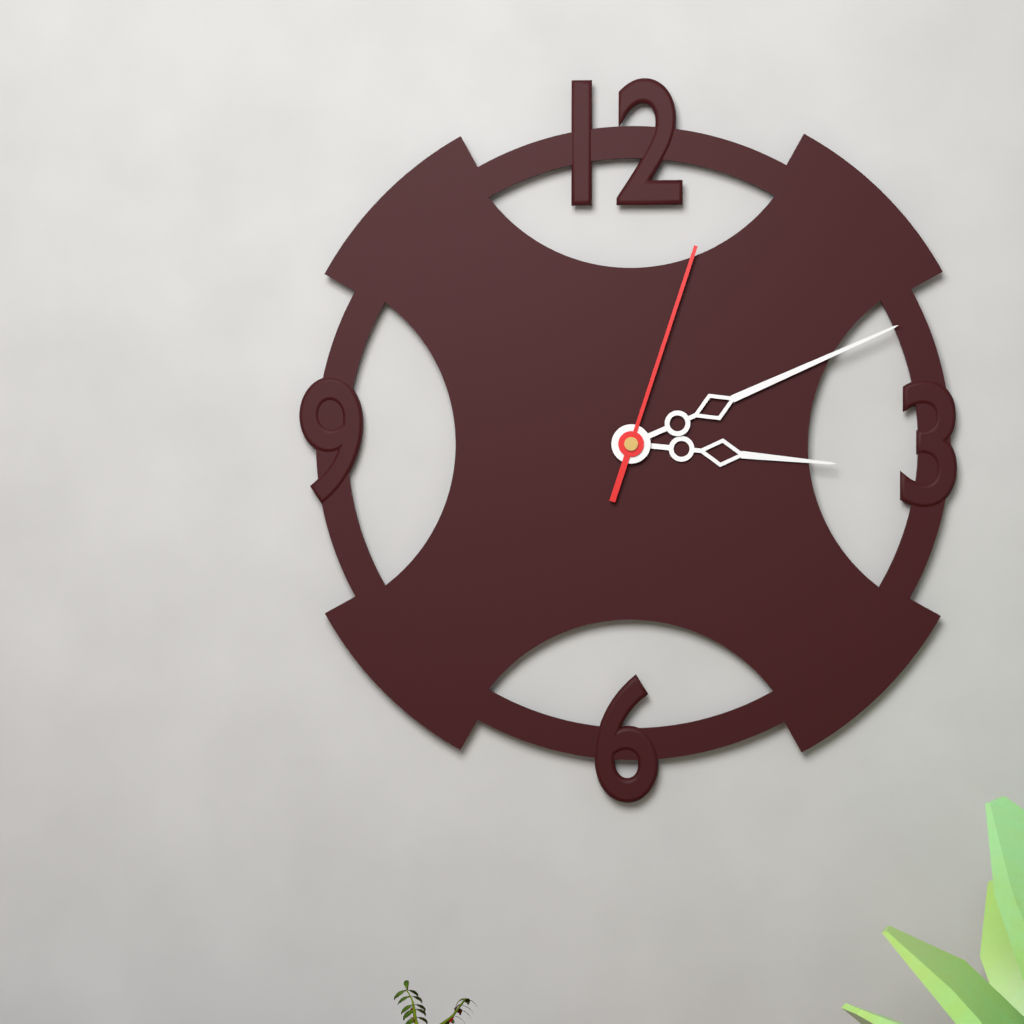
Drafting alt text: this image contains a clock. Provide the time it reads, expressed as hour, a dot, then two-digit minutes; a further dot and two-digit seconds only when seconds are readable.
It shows 3.11.03
